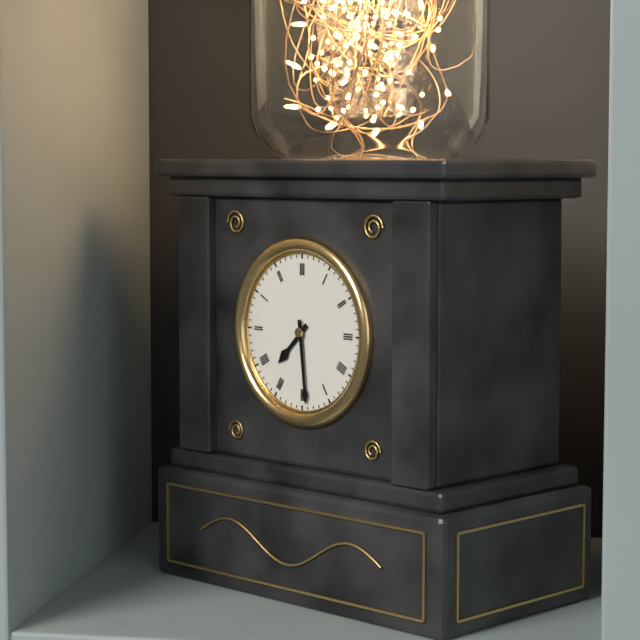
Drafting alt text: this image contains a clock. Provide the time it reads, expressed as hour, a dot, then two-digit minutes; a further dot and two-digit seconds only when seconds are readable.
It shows 7.29
